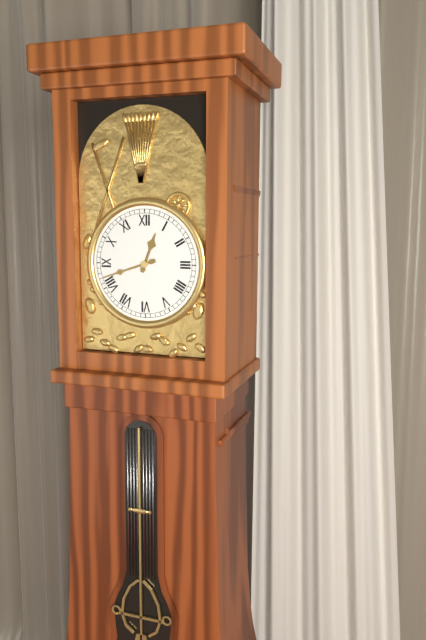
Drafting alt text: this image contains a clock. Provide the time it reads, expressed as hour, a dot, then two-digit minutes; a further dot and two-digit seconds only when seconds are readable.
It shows 12.42
